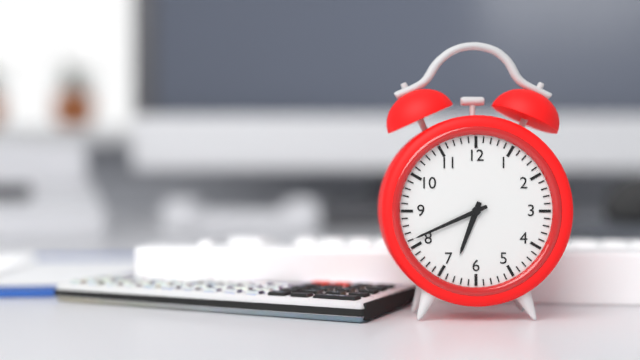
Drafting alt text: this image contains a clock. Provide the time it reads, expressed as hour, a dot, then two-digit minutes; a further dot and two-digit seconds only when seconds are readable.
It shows 6.41
